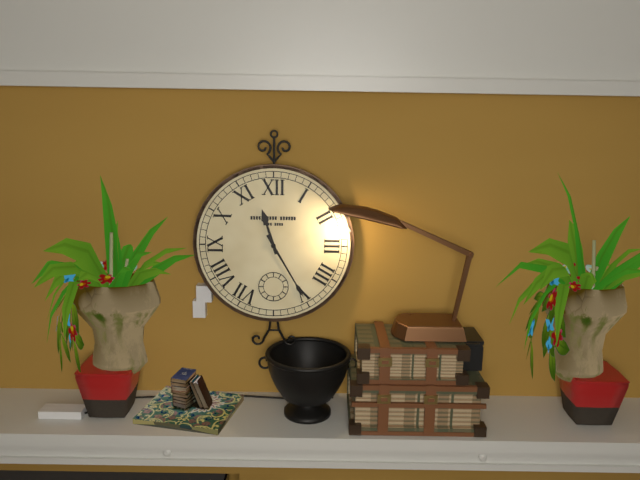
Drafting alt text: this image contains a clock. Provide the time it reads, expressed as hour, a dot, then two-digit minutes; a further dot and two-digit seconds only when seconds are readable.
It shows 11.25
